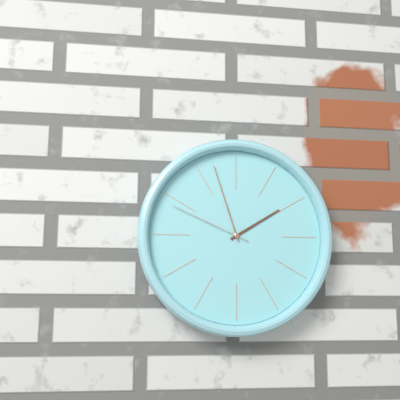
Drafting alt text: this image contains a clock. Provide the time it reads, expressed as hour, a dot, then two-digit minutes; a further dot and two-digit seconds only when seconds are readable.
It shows 1.57.49
